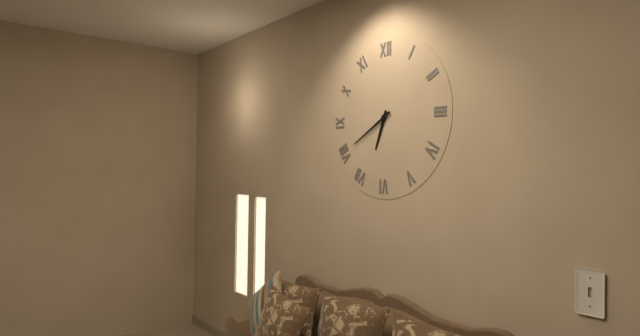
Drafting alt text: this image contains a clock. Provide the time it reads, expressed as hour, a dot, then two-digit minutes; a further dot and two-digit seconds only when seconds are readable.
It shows 6.40
